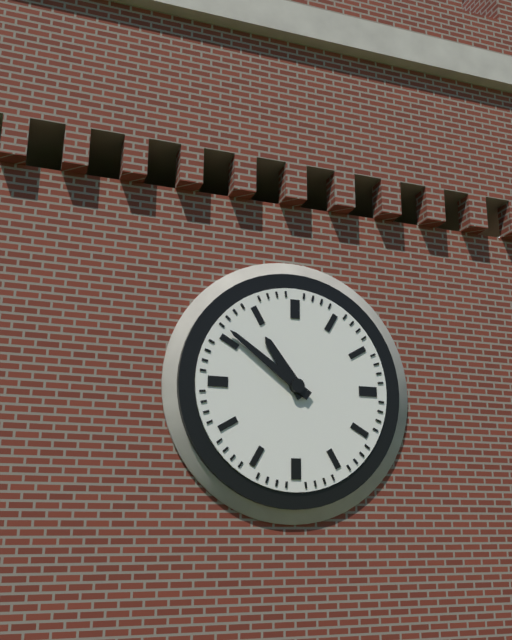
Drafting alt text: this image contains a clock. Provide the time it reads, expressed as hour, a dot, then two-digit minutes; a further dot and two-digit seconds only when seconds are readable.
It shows 10.51
